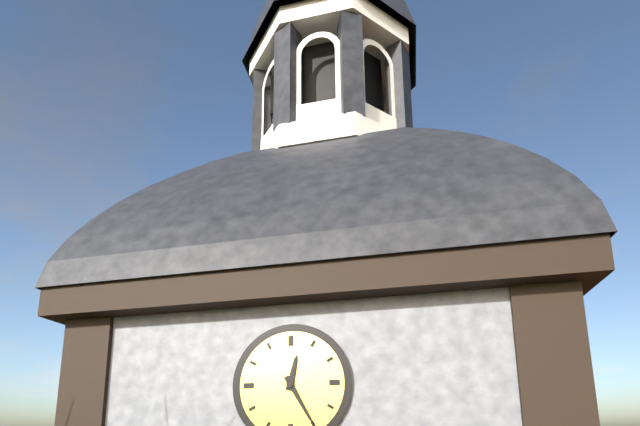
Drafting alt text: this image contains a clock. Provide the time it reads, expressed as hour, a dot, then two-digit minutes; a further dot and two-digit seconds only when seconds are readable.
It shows 12.25
